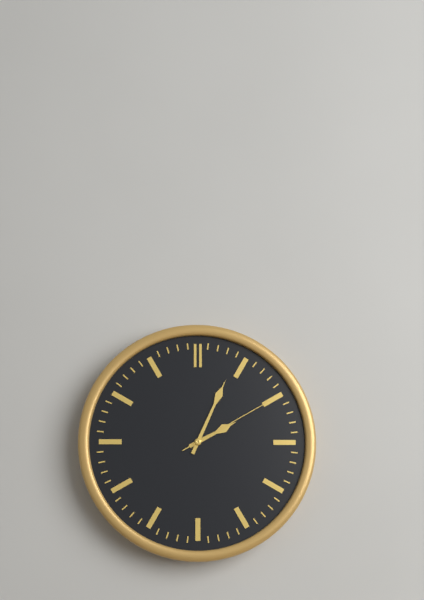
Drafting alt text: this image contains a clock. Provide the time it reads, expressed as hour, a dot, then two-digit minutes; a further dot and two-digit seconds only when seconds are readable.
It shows 2.04.10
